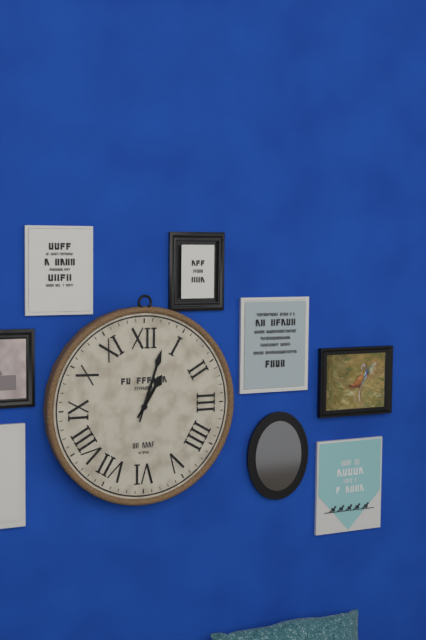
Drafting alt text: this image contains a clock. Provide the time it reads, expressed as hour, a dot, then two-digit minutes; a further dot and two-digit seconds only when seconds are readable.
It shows 1.03
